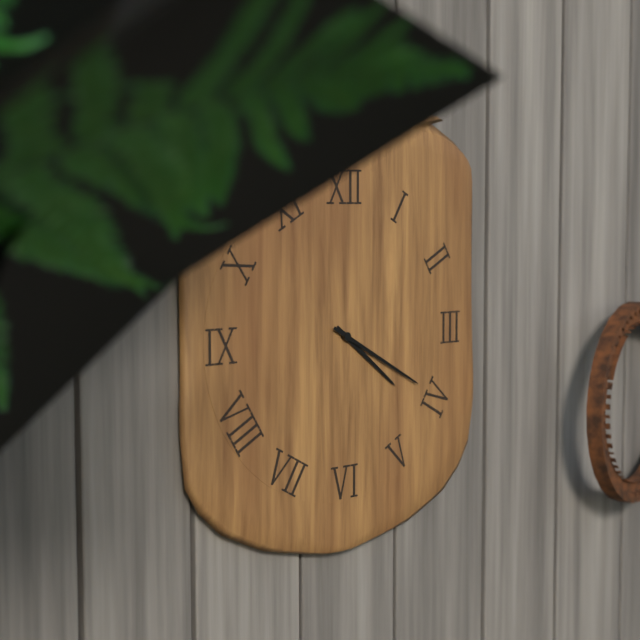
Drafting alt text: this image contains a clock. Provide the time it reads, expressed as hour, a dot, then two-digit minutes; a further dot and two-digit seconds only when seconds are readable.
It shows 4.20
